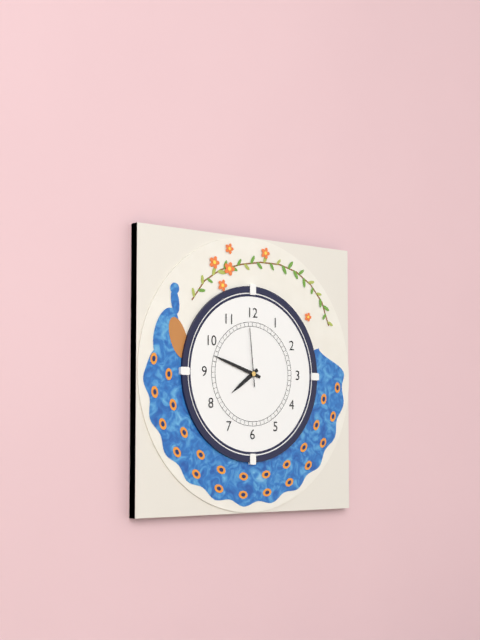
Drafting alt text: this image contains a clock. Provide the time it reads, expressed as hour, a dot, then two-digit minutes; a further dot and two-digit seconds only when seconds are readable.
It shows 7.48.59
